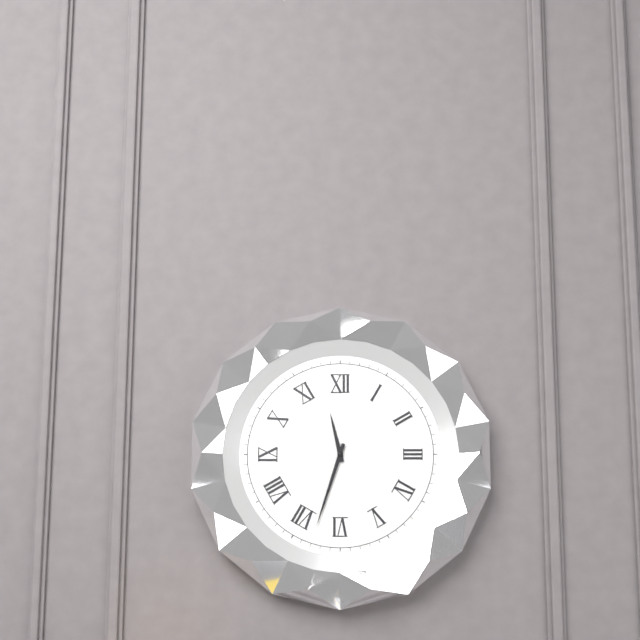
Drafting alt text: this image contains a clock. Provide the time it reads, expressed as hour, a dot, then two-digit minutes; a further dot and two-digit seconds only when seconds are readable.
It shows 11.33
